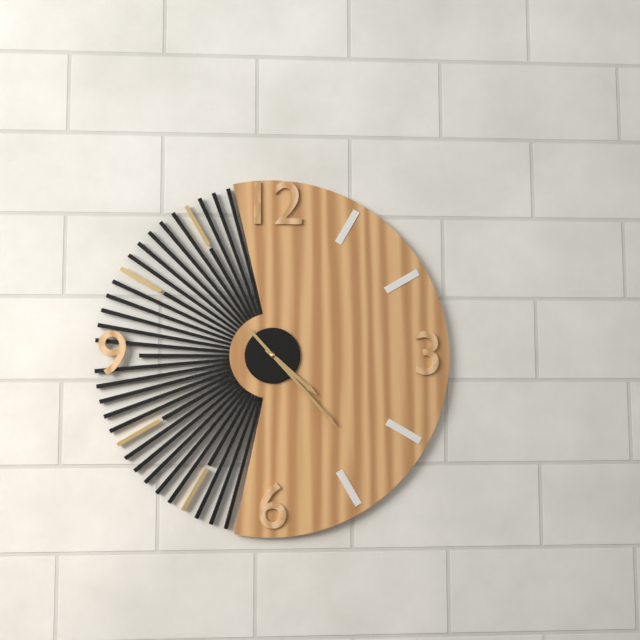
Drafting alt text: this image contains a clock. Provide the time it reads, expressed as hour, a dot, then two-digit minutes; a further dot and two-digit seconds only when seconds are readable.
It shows 4.23
